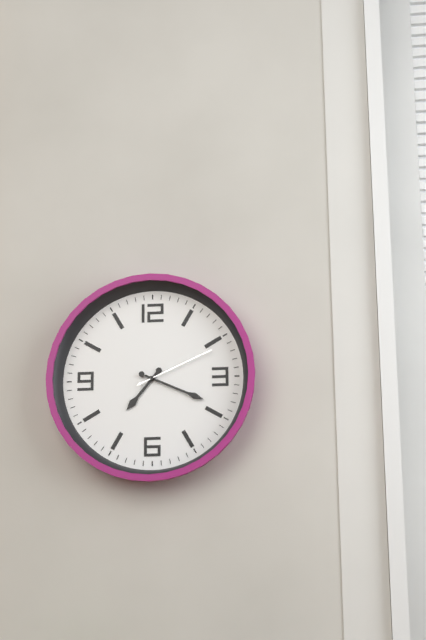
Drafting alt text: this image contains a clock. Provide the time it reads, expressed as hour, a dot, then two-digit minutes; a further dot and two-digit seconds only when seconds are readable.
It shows 7.19.11
